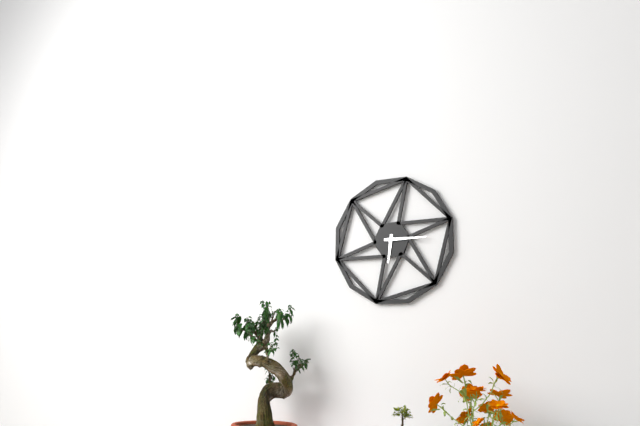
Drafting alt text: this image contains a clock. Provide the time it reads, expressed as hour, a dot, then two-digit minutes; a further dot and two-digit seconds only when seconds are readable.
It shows 6.15
